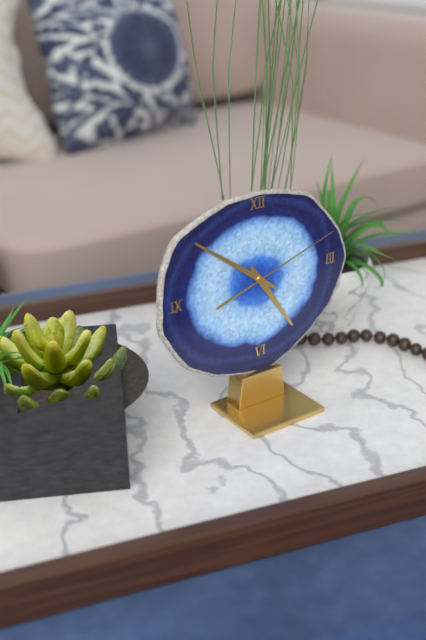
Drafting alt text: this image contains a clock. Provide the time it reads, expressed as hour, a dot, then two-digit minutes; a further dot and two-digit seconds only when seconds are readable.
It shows 4.51.12
